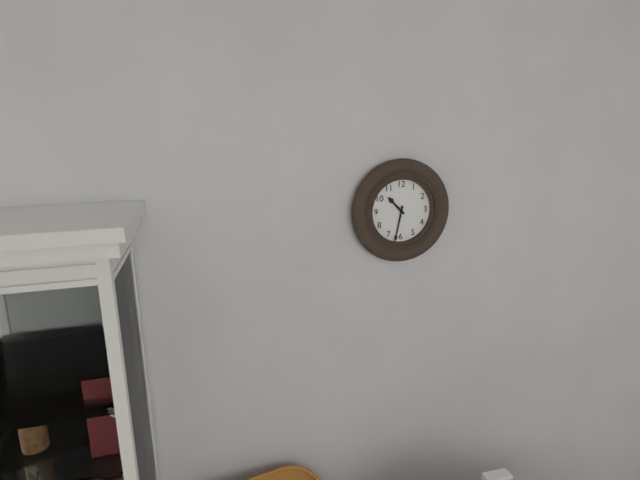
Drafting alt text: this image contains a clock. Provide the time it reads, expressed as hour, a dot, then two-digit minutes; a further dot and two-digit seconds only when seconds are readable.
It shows 10.32
